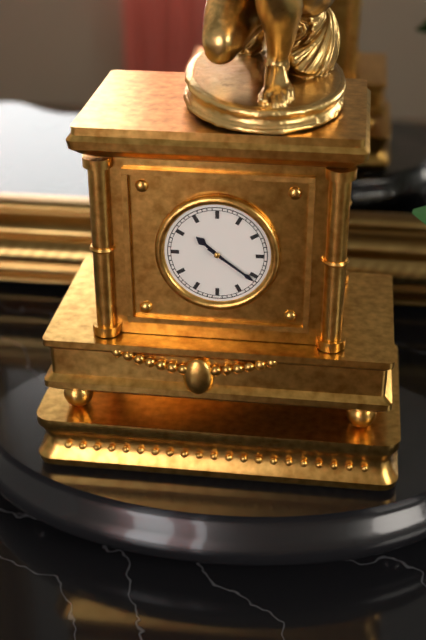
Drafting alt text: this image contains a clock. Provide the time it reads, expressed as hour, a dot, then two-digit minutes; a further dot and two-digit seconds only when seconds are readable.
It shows 10.21
